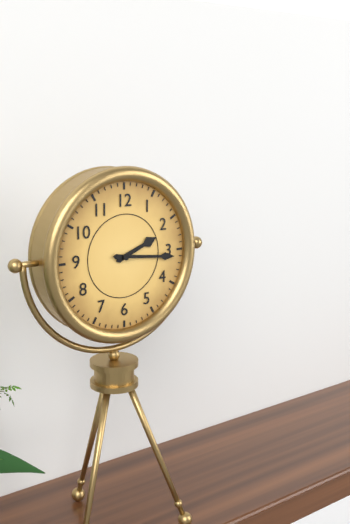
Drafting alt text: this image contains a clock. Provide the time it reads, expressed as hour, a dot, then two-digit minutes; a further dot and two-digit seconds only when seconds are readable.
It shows 2.16
